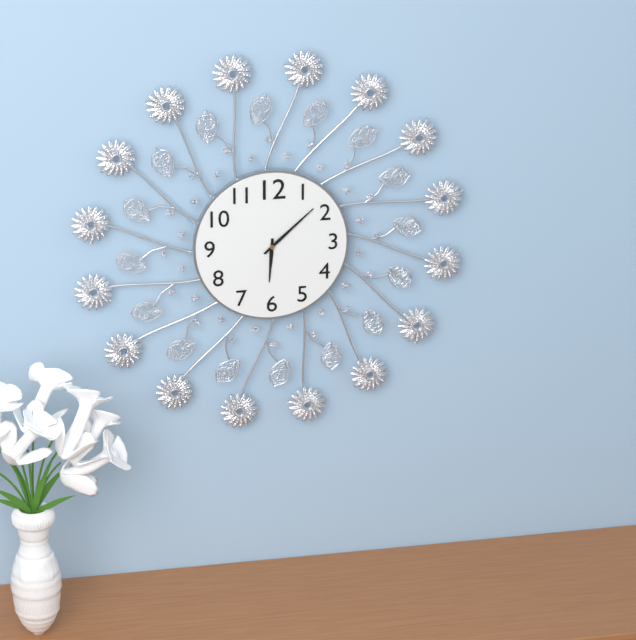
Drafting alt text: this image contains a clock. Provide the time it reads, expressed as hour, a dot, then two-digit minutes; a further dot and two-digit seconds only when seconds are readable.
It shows 6.08
